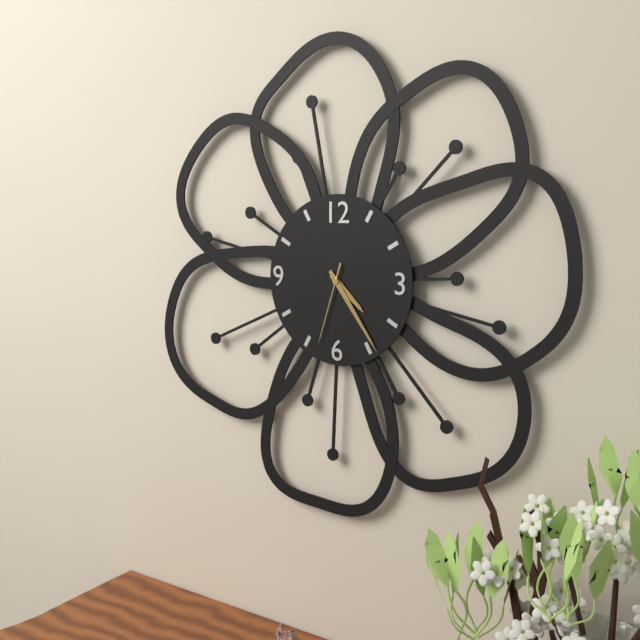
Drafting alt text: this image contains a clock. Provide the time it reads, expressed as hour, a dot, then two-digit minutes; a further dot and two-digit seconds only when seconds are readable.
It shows 4.24.33
